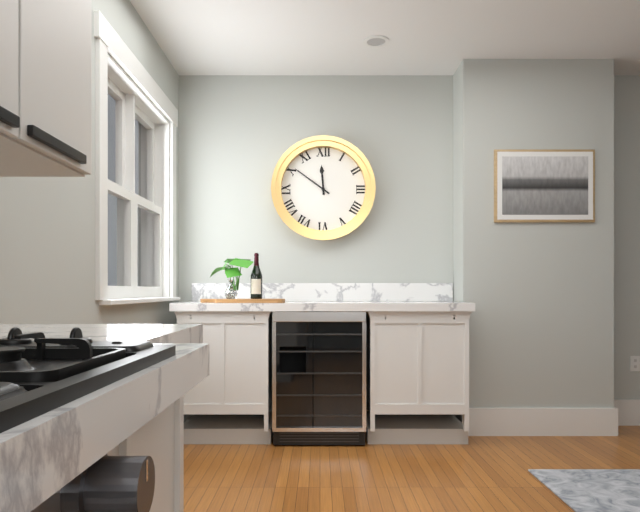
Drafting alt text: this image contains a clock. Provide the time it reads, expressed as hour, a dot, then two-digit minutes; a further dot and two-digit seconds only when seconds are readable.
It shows 11.51
